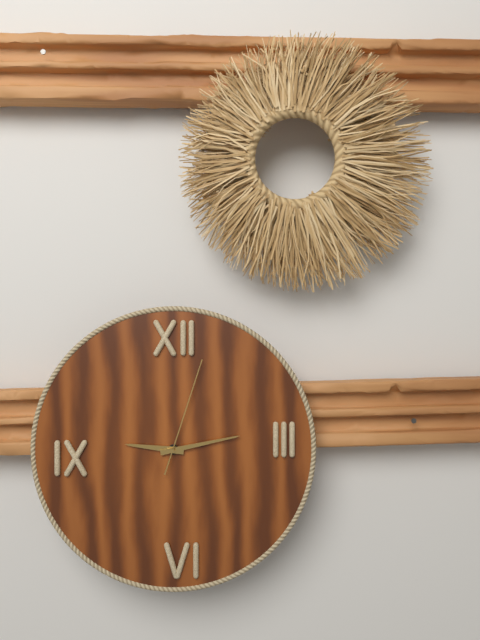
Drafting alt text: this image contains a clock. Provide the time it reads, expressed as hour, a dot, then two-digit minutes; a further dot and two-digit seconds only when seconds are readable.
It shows 9.13.03
